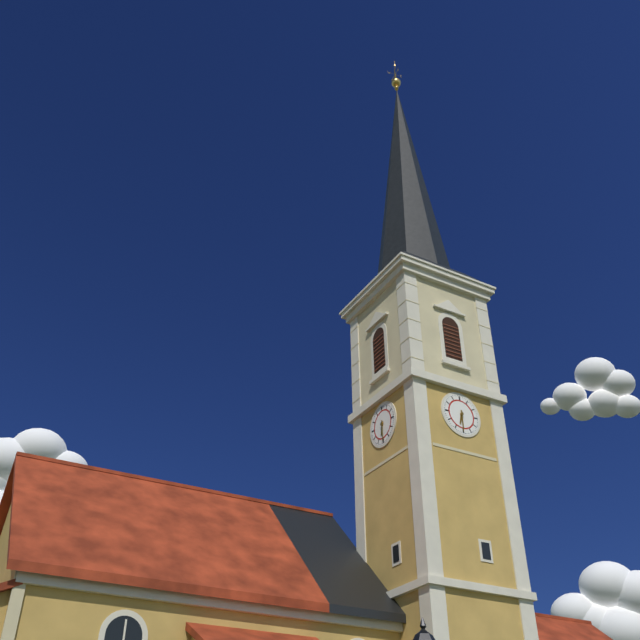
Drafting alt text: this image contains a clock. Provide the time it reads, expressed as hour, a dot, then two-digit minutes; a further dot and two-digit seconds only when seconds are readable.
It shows 6.30
